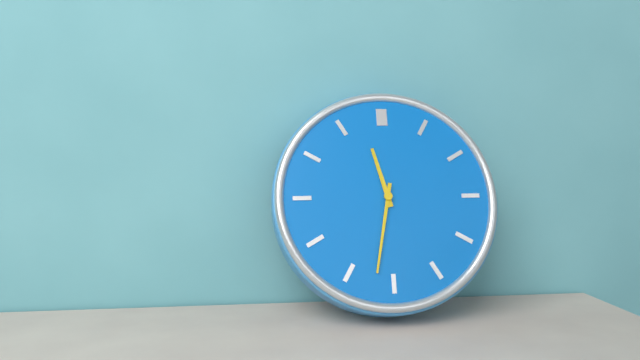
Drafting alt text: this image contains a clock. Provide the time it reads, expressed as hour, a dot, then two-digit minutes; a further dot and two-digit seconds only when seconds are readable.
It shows 11.32
